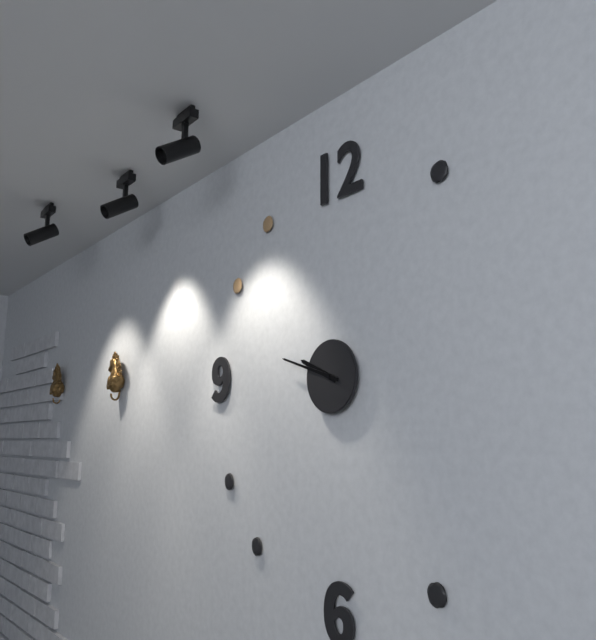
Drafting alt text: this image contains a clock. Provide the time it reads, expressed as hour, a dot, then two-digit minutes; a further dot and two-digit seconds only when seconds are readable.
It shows 9.48
